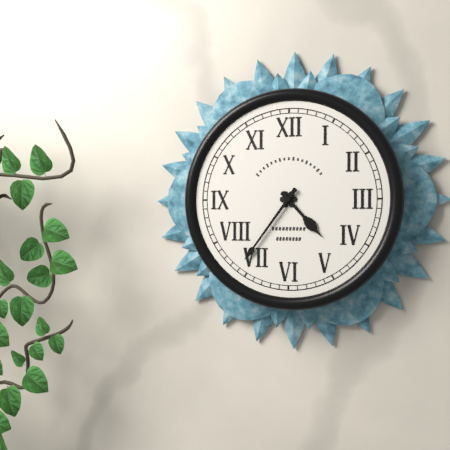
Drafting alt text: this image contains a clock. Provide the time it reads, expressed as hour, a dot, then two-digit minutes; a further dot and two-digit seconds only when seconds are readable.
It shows 4.36
